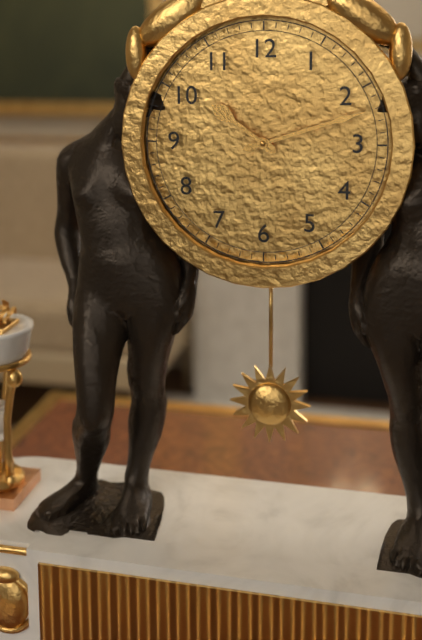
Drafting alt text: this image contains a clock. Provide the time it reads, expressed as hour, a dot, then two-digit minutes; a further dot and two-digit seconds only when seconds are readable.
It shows 10.12
